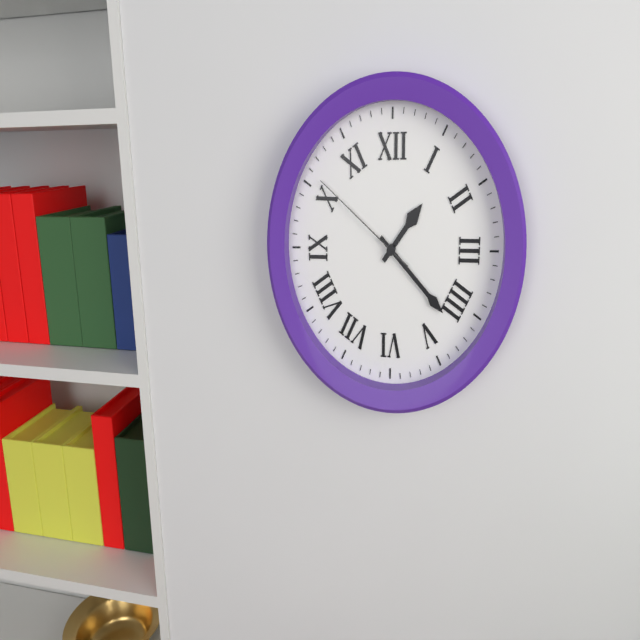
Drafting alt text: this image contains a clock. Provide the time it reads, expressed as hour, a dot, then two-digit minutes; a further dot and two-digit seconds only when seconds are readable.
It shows 1.22.51
